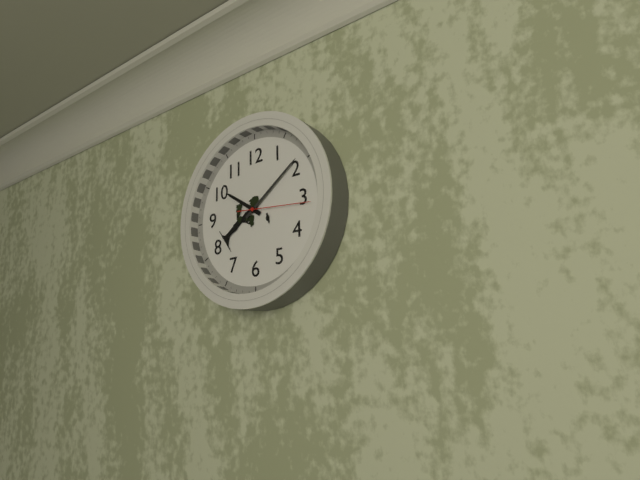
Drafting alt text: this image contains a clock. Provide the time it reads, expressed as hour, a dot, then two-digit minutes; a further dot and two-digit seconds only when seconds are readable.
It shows 10.09.16
